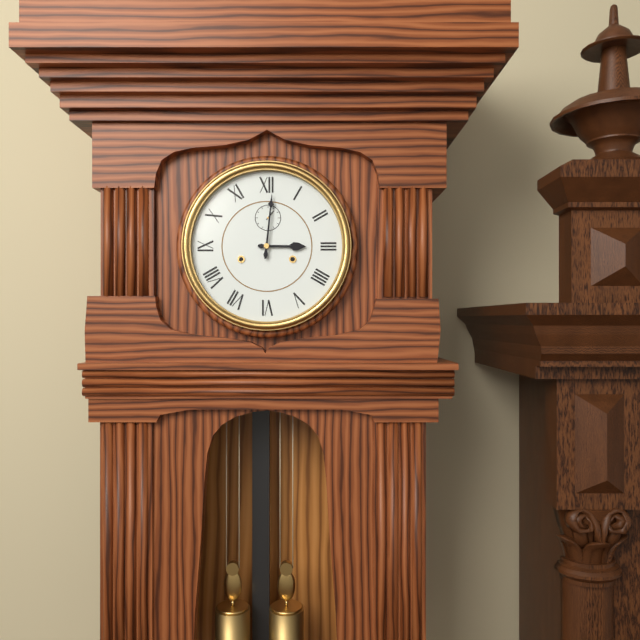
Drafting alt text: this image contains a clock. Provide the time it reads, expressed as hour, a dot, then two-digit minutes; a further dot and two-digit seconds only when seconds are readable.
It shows 3.01
